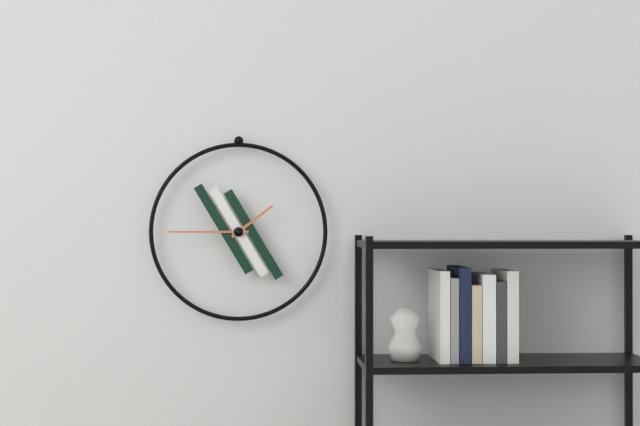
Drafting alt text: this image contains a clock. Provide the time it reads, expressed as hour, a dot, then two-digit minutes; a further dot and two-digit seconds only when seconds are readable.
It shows 1.45
